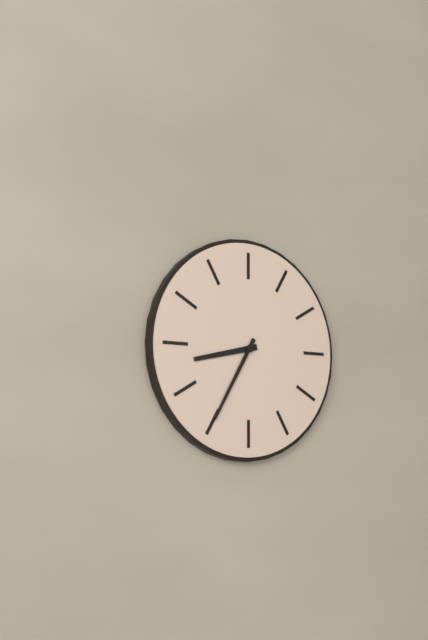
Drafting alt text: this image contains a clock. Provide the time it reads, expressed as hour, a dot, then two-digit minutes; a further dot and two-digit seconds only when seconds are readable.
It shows 8.35
